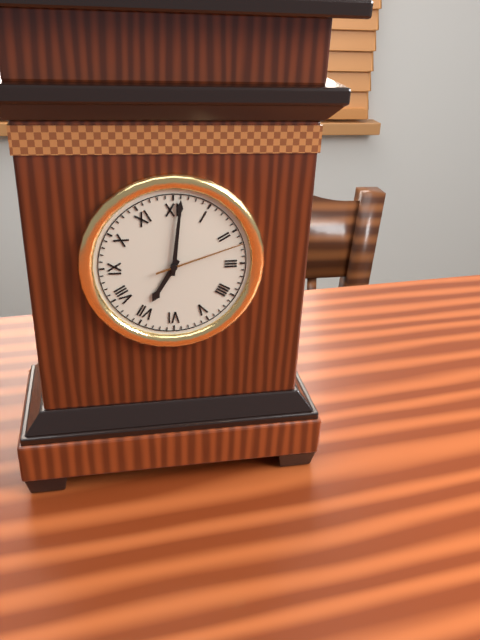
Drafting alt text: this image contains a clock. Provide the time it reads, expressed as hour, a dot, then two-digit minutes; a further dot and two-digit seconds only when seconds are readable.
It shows 7.01.12
